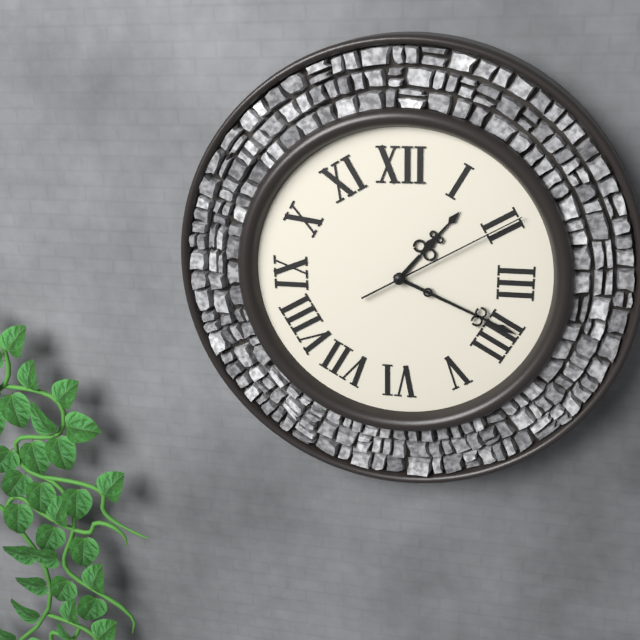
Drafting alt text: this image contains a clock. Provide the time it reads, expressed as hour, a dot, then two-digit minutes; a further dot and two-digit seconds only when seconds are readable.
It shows 1.19.10
